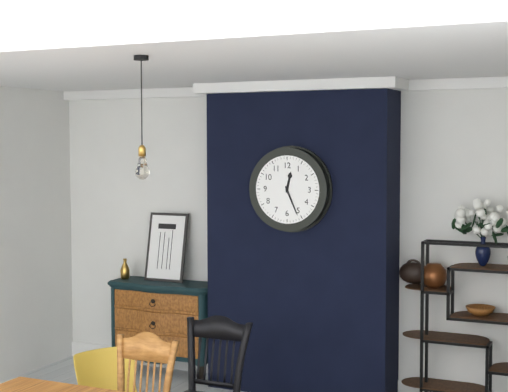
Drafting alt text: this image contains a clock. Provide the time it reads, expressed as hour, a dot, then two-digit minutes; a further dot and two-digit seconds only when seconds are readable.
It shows 12.26
